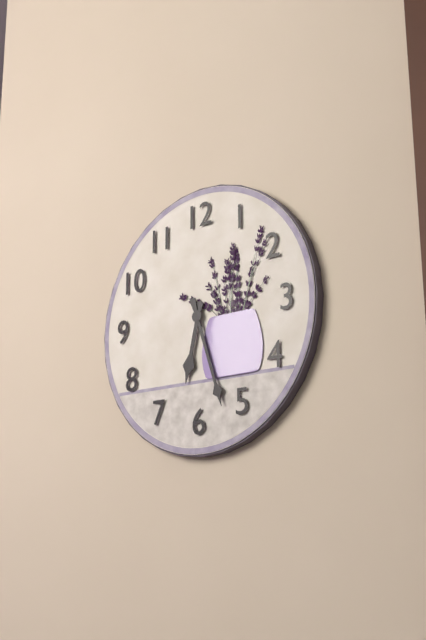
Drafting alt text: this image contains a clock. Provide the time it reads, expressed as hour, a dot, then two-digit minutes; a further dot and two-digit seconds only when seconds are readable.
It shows 6.27
